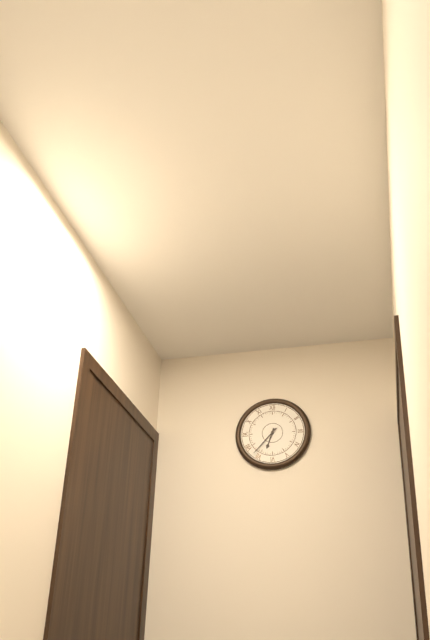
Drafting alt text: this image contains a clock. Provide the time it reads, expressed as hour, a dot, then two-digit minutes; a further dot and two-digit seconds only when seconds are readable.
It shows 6.37
